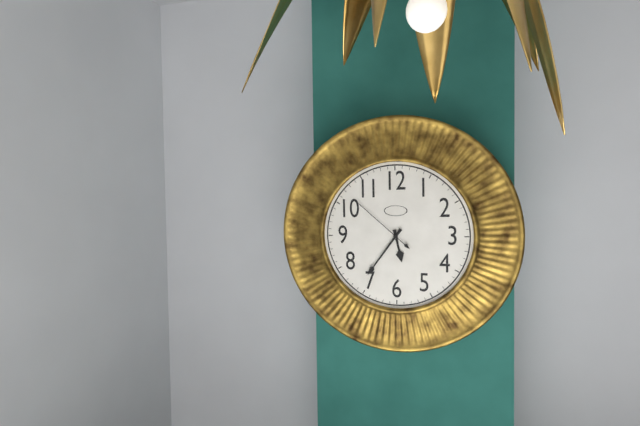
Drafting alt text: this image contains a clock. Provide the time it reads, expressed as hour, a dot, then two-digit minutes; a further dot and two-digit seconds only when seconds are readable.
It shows 5.36.52
